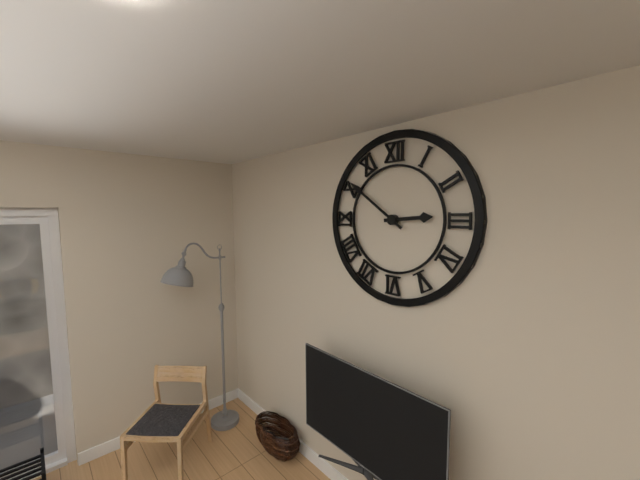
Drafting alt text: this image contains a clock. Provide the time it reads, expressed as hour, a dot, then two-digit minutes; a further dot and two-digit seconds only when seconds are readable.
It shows 2.51
